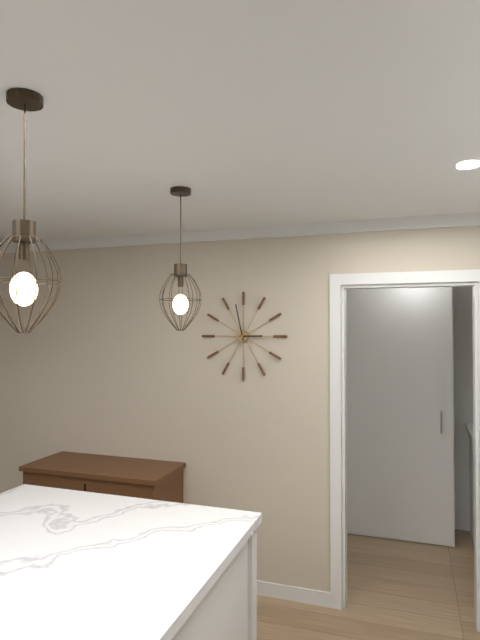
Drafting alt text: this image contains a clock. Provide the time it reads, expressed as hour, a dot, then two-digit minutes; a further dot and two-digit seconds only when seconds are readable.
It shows 2.58
